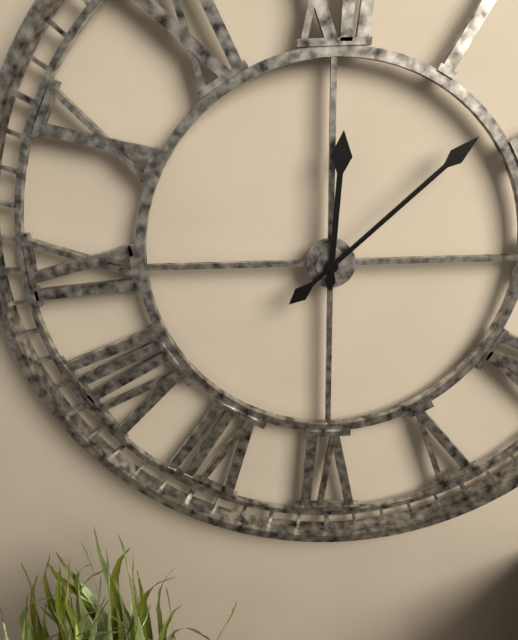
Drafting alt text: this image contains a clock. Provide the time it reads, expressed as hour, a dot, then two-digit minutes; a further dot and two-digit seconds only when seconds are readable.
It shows 12.08
